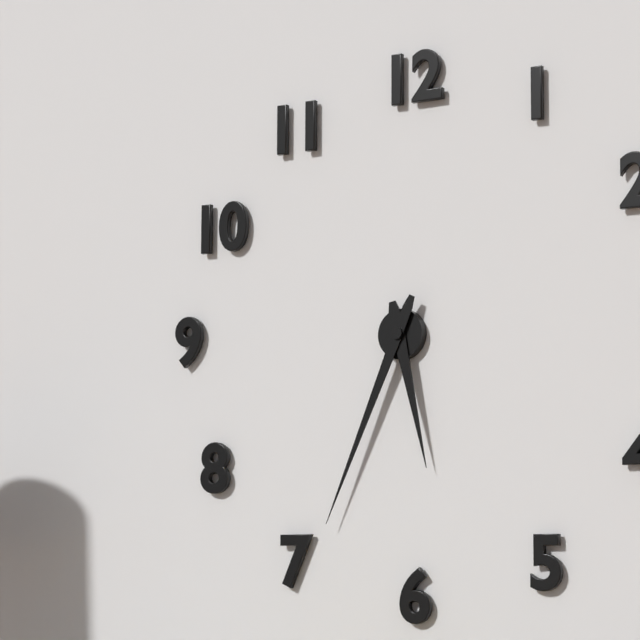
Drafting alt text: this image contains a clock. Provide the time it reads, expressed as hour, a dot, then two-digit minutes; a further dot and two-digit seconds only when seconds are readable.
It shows 5.34
